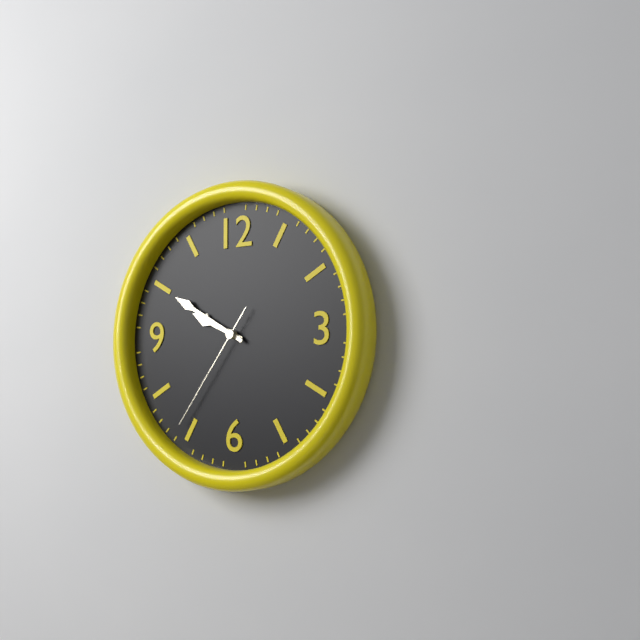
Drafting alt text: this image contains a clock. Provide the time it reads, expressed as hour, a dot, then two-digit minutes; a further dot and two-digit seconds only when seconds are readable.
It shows 9.50.36
